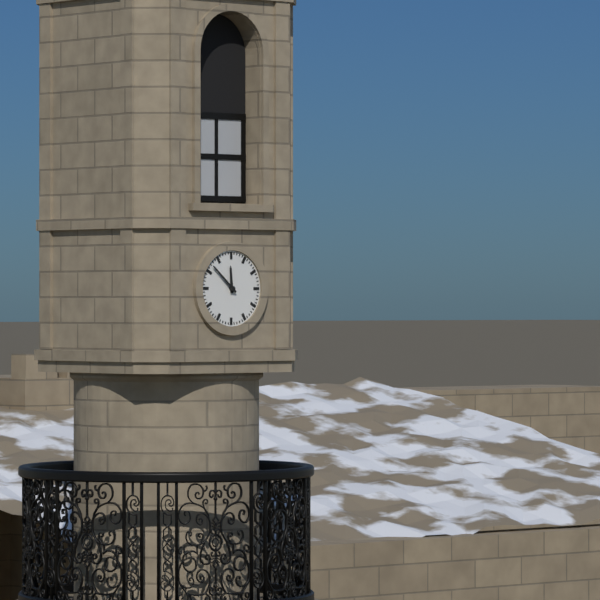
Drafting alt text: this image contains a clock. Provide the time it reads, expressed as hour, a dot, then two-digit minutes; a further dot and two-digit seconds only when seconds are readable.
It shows 11.52
